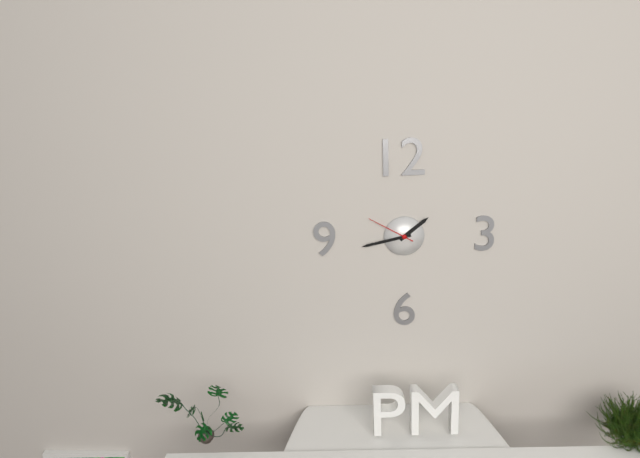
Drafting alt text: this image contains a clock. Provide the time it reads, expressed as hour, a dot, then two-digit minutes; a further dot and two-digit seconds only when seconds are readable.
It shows 1.43.50
